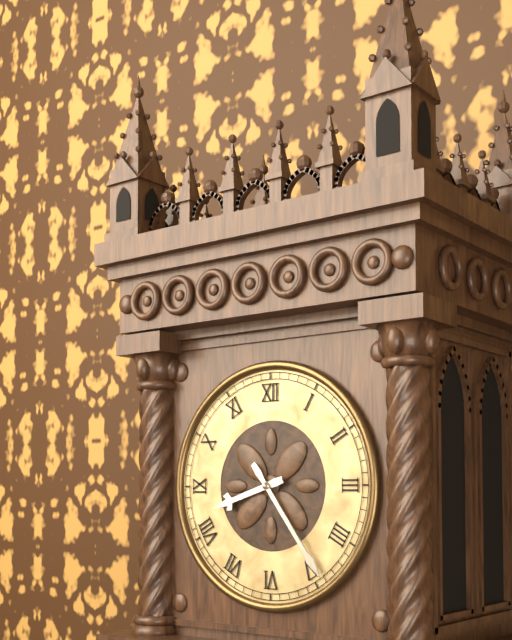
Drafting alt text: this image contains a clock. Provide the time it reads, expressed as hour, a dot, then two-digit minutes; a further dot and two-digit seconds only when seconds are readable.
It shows 8.24
